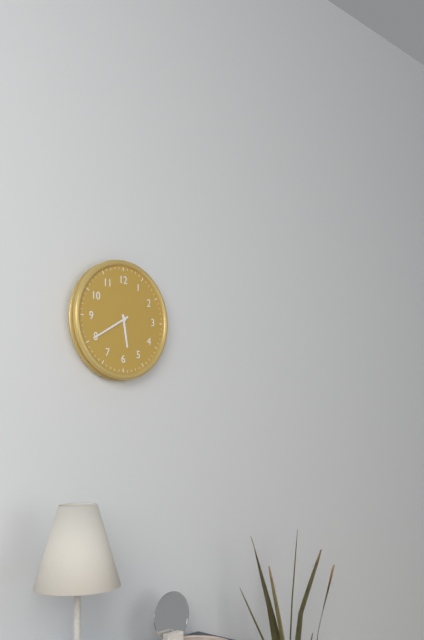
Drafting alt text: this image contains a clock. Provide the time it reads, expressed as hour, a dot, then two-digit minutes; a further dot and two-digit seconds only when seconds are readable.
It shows 5.40
